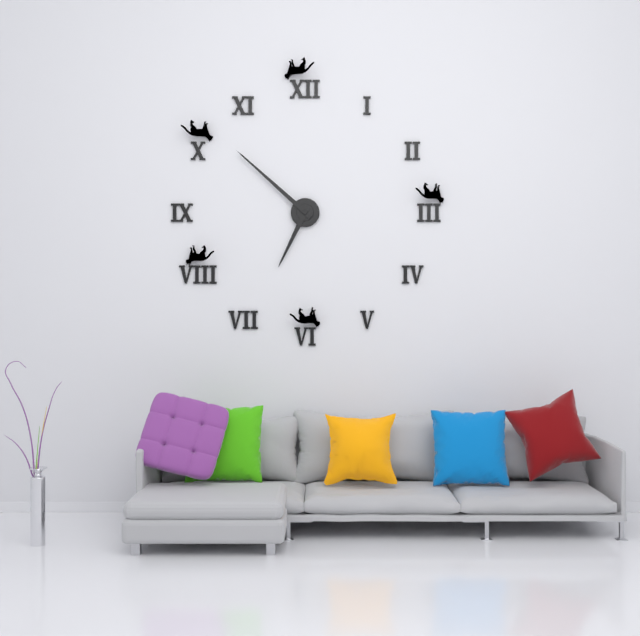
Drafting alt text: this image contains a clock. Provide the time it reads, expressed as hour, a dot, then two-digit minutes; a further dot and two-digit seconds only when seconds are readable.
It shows 6.52
